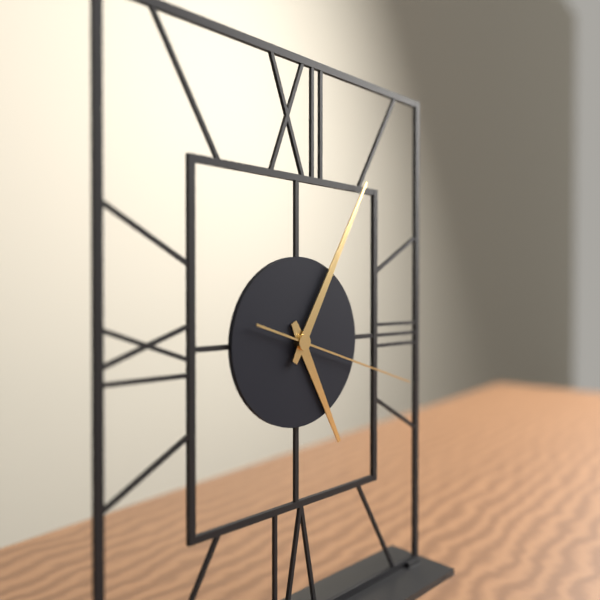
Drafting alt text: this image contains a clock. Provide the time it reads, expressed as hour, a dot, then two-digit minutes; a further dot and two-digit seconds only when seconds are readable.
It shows 5.05.18
